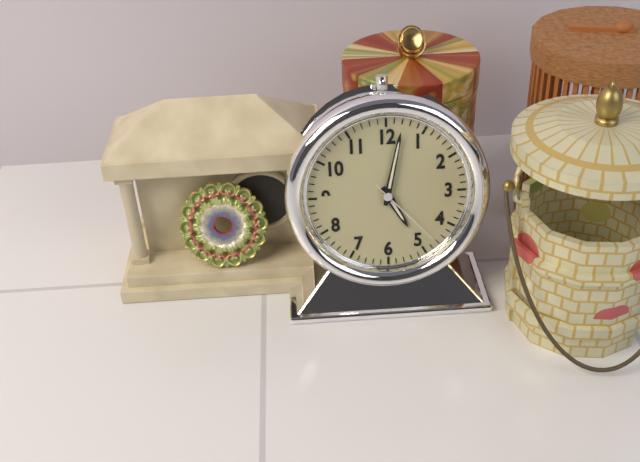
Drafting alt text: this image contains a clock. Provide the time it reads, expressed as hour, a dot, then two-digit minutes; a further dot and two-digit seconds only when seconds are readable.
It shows 5.02.23
